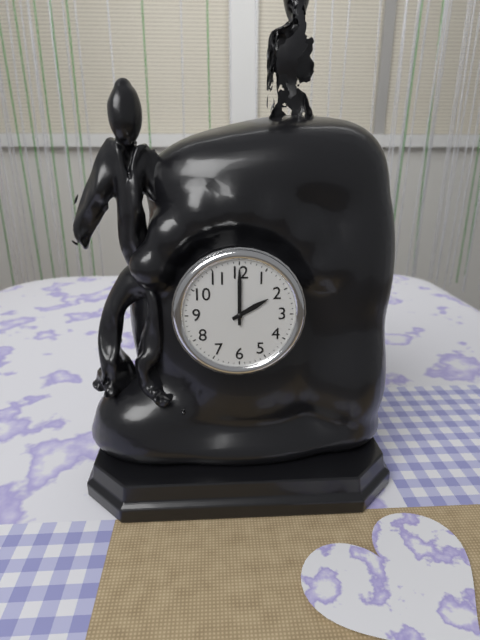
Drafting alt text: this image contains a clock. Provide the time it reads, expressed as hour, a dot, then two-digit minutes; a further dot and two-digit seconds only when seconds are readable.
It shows 2.00
